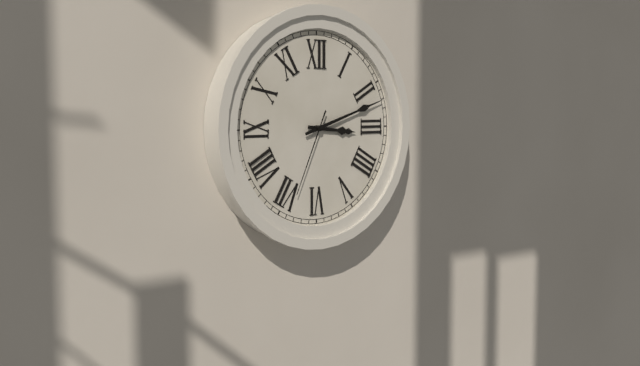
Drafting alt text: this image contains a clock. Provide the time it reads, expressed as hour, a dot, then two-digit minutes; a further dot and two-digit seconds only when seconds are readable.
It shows 3.12.34
